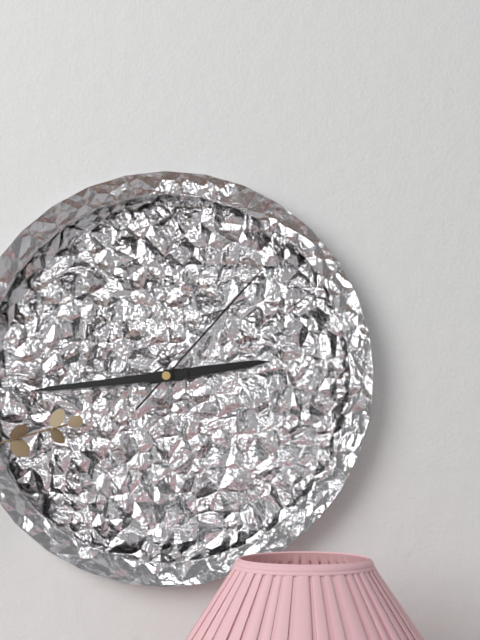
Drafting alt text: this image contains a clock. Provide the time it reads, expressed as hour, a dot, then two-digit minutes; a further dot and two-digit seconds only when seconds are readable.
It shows 2.44.07
